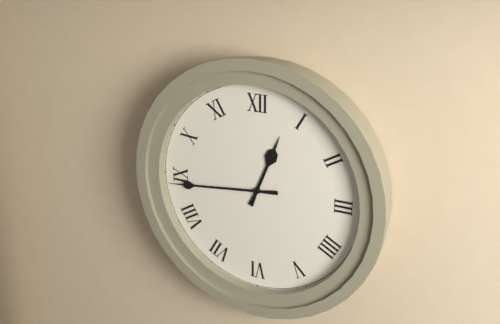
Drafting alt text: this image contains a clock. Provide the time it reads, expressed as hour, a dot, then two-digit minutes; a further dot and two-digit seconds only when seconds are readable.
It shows 12.44
